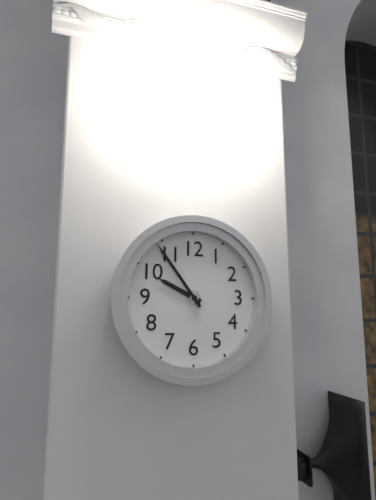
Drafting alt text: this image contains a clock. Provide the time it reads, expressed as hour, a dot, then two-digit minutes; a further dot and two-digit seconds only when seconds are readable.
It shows 9.54
